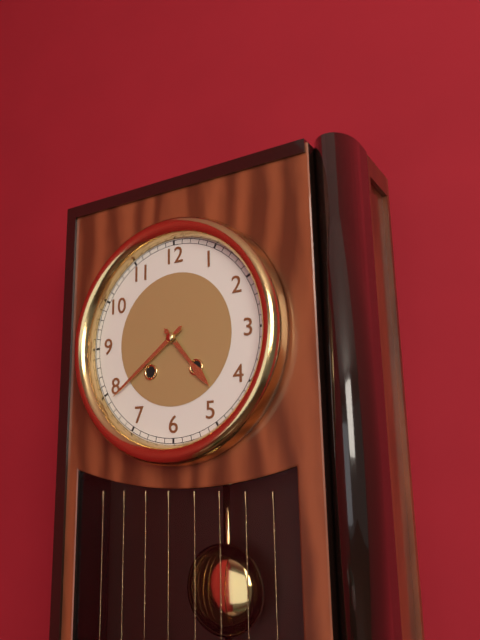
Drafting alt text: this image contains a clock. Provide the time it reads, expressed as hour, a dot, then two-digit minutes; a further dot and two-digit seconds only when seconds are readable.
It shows 4.39
